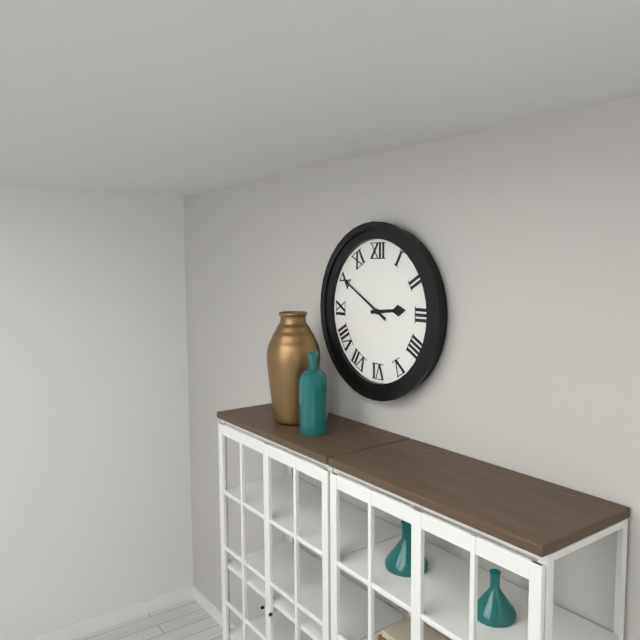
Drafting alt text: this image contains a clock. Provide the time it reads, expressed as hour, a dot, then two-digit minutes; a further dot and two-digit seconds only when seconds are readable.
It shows 2.50
